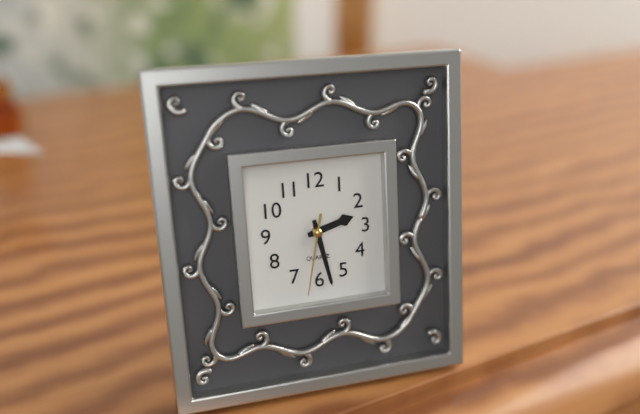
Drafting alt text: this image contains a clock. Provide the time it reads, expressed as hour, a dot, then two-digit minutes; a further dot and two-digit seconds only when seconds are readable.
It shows 2.28.32
